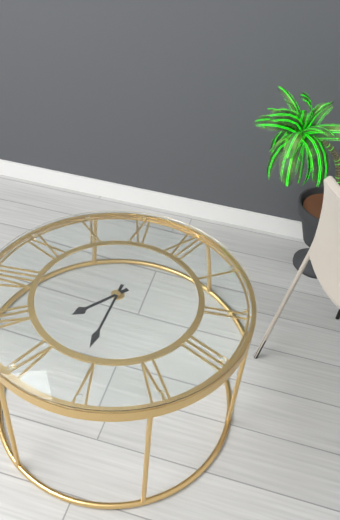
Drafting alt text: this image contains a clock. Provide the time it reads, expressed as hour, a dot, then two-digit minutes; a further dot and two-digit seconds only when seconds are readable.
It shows 6.26
